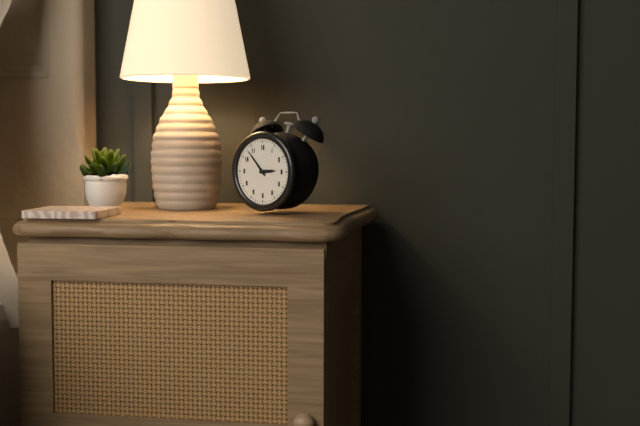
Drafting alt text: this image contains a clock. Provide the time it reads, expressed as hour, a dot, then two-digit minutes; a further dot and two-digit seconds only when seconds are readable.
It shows 2.53
